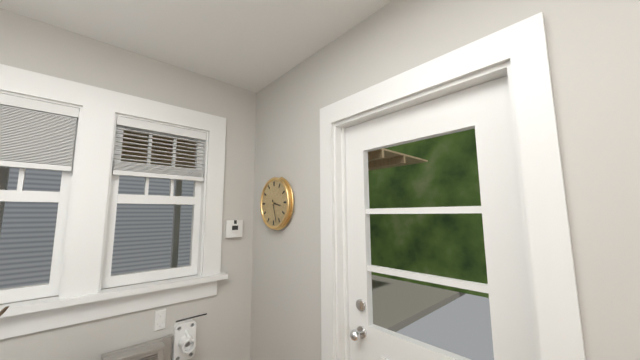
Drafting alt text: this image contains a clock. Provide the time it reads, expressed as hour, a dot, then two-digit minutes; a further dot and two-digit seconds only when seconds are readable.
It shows 3.27
